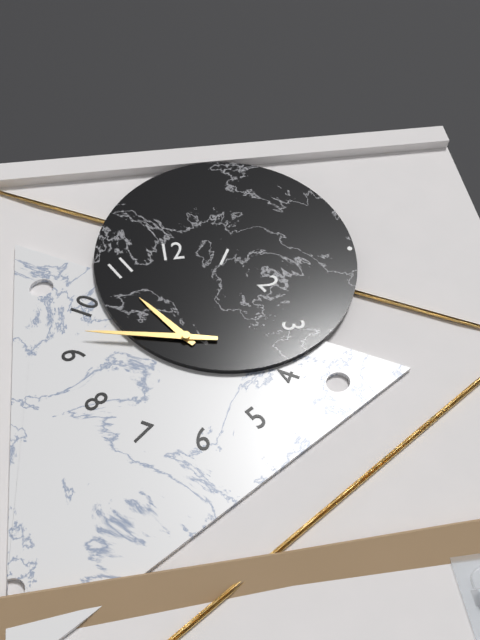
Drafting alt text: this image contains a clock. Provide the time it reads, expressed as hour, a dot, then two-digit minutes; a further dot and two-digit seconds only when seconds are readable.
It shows 10.47
